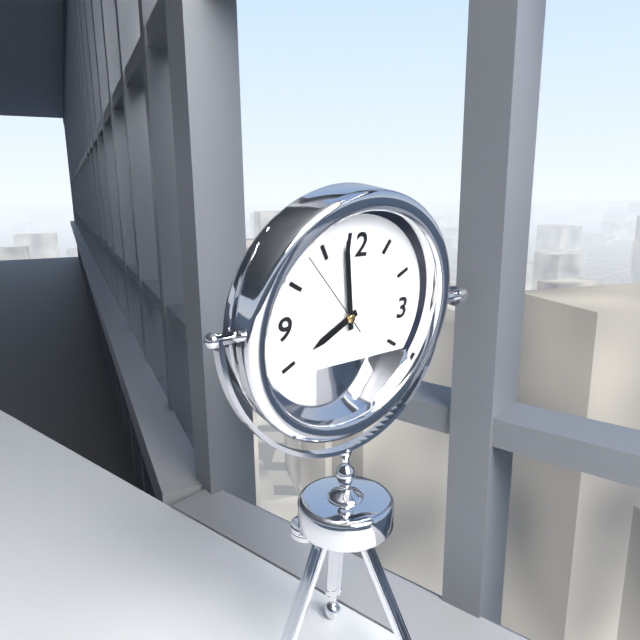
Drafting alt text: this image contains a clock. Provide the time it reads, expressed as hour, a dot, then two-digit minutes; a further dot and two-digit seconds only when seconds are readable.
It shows 7.58.53
